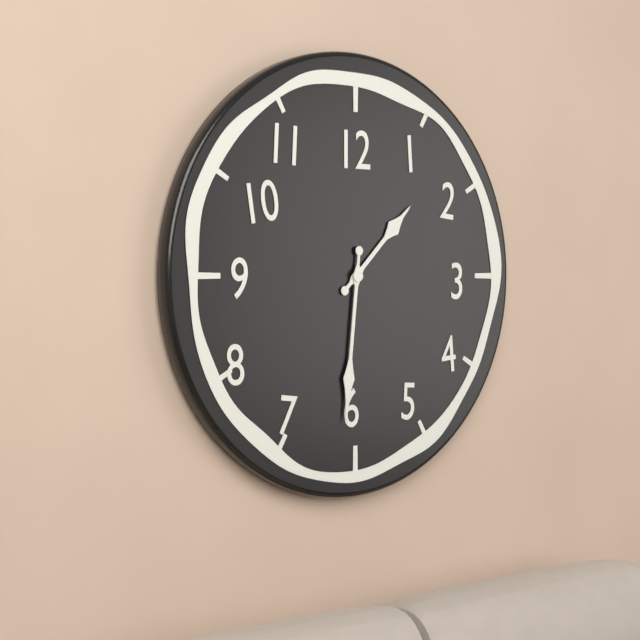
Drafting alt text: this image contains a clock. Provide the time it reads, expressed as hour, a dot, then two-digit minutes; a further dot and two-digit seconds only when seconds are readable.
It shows 1.31
